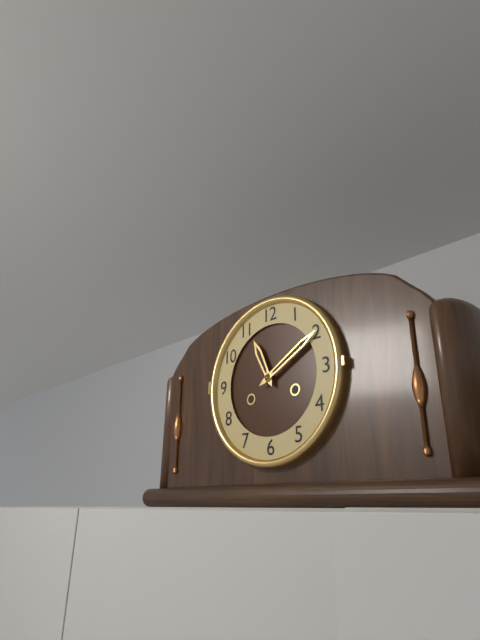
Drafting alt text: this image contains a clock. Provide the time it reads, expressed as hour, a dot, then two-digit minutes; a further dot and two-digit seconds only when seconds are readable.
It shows 11.10
